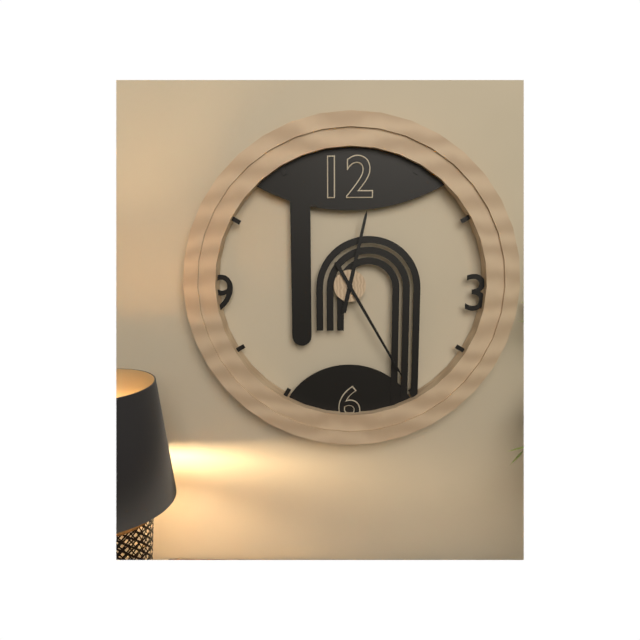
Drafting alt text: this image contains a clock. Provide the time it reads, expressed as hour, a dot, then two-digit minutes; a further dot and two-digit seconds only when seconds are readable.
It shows 12.25
